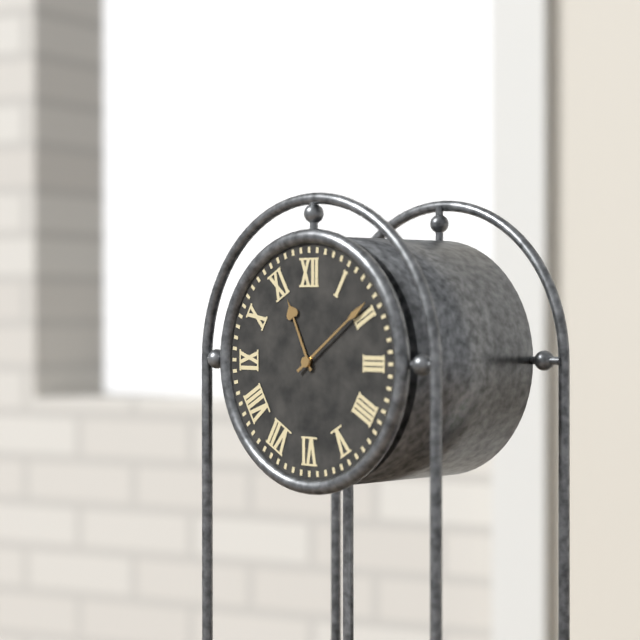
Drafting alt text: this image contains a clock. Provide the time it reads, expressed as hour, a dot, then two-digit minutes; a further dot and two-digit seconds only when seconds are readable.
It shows 11.09
